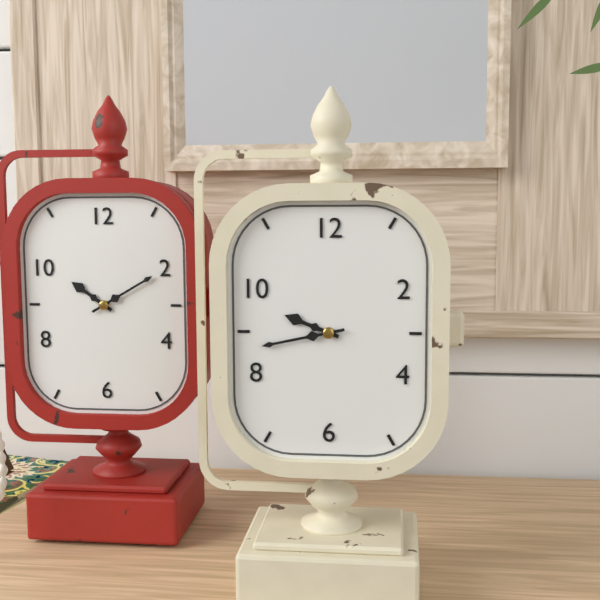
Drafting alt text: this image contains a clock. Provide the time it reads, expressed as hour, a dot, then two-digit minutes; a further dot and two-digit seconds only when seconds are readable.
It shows 9.43
